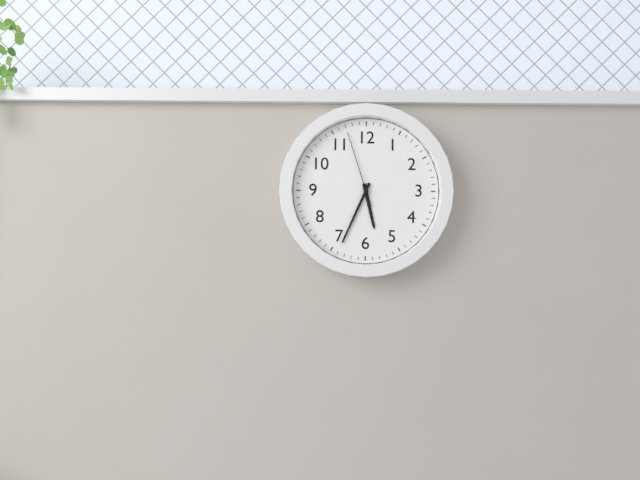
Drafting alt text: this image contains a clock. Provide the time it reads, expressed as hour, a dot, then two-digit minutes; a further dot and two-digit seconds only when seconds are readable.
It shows 5.34.57
